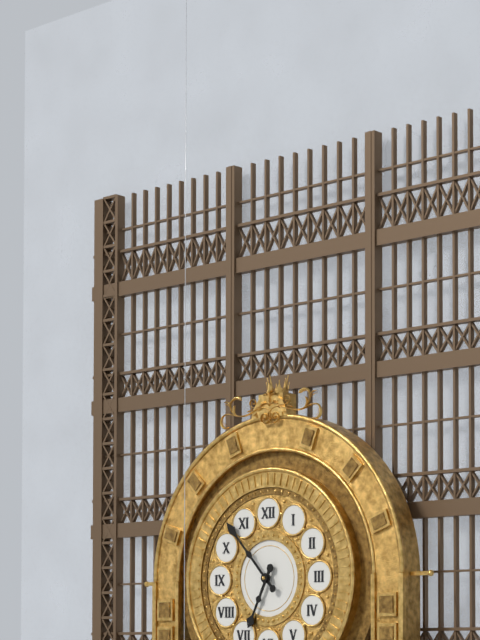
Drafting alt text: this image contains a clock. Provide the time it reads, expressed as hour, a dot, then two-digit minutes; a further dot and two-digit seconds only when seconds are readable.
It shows 6.53
